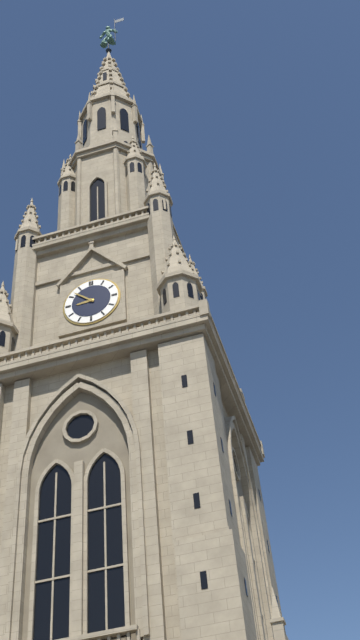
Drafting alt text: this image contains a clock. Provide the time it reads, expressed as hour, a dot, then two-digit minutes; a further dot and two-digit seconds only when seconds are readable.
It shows 8.52
